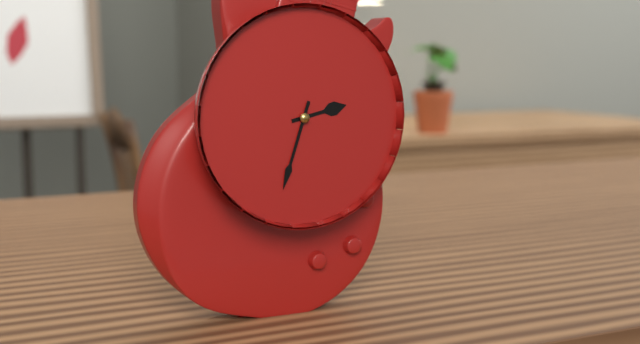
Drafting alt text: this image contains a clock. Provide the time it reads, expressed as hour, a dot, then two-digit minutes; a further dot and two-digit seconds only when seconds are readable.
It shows 2.33
